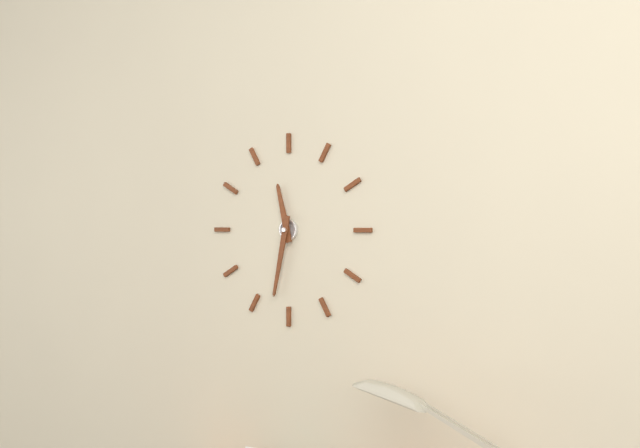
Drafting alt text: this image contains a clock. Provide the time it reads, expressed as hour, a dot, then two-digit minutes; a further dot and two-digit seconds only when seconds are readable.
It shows 11.32
